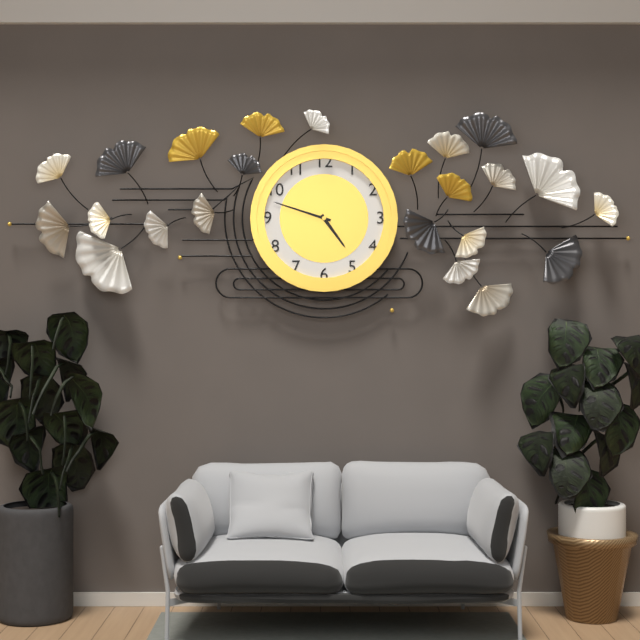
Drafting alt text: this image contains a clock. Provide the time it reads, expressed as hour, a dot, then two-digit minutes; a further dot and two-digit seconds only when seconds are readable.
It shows 4.48
